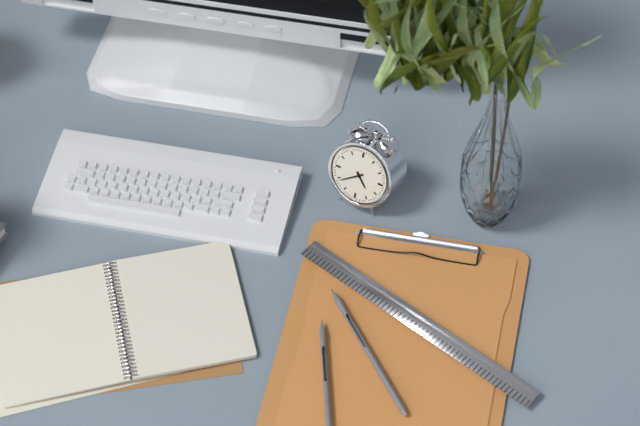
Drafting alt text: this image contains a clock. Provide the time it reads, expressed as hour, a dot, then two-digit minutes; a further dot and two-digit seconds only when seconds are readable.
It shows 4.39
